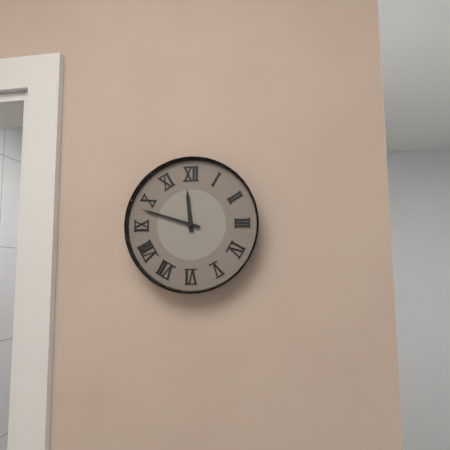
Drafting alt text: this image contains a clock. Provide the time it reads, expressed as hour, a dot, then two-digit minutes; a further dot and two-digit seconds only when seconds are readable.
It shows 11.48
